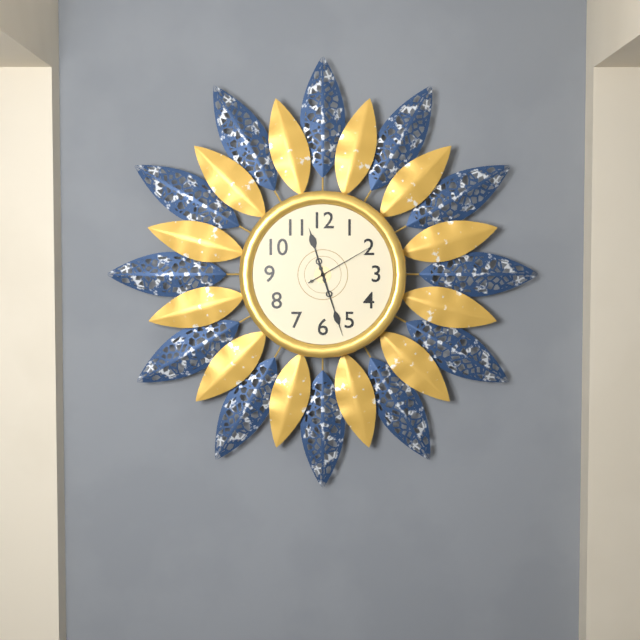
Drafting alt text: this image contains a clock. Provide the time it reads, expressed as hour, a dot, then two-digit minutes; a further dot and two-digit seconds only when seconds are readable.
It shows 11.27.10
